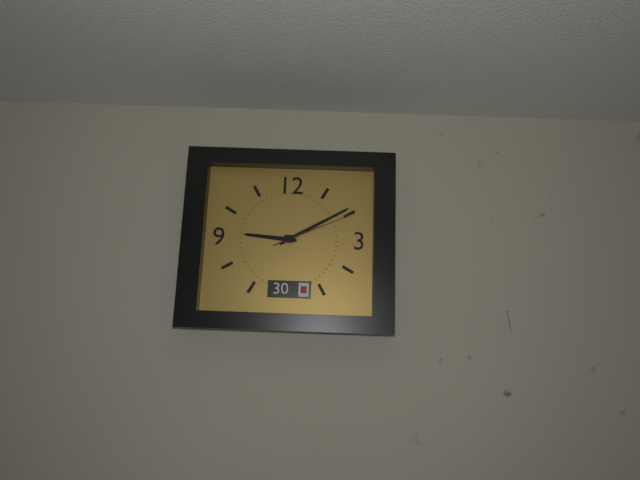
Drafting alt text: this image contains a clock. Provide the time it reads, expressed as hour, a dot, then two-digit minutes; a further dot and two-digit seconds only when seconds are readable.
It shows 9.10.11
